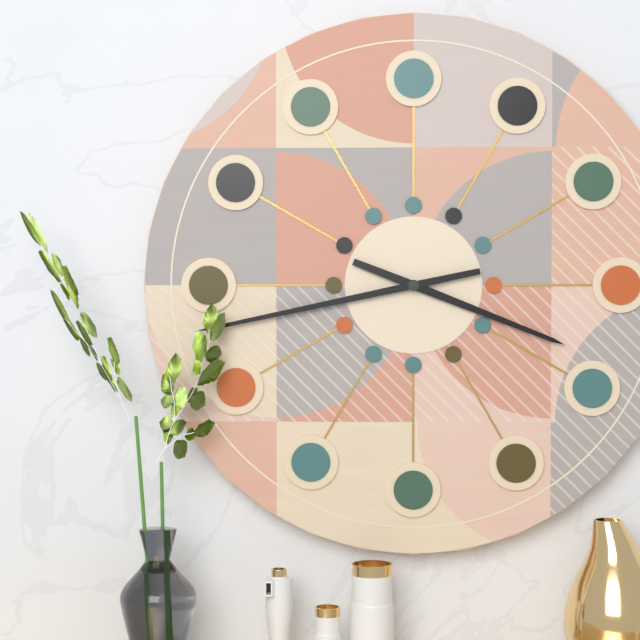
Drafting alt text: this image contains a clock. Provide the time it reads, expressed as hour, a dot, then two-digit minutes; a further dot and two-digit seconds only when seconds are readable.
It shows 3.43
